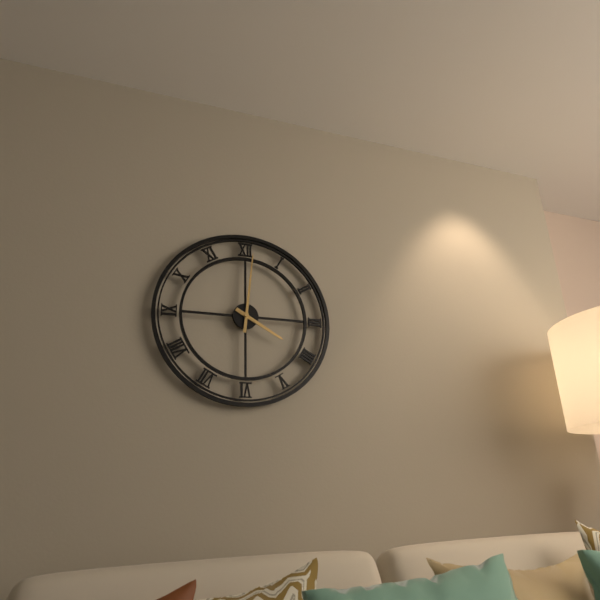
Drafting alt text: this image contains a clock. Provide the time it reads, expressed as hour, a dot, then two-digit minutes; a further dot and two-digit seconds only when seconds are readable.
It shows 4.01
